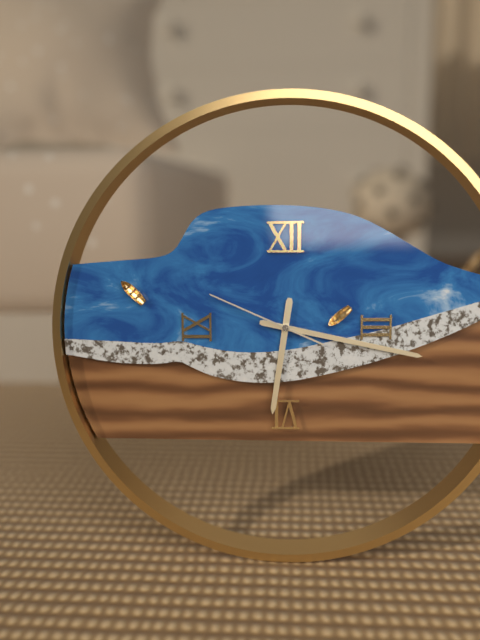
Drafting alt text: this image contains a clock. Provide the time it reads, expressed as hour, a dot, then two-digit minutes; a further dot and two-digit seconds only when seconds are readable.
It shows 6.17.49
